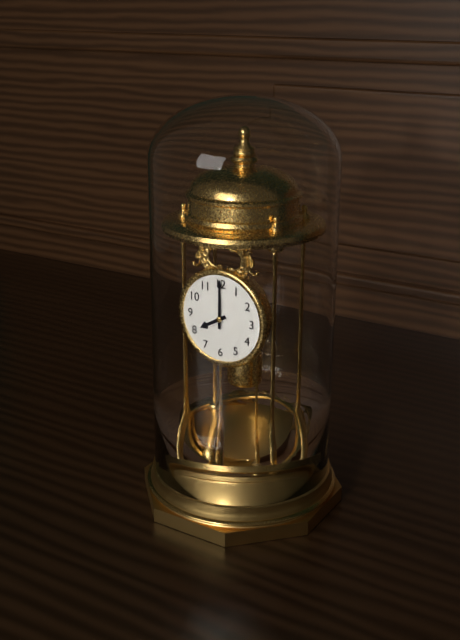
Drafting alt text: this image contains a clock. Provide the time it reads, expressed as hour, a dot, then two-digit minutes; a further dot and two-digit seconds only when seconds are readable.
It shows 8.00
